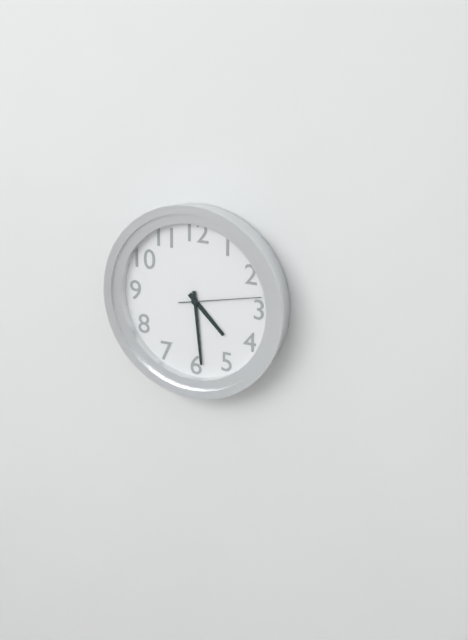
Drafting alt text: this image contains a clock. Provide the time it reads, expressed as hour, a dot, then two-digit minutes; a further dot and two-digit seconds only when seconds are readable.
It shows 4.29.13
